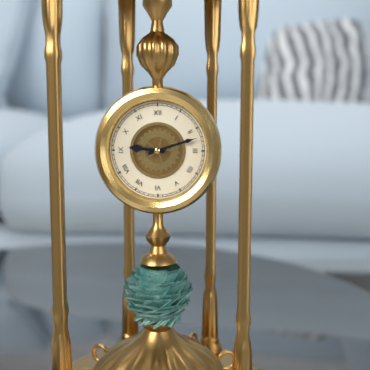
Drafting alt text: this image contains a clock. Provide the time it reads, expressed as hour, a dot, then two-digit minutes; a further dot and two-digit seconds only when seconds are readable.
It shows 9.12
